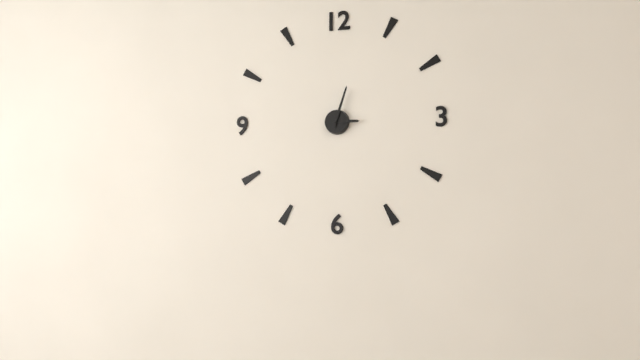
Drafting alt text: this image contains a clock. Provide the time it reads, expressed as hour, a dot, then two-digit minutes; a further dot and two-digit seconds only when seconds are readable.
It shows 3.03
